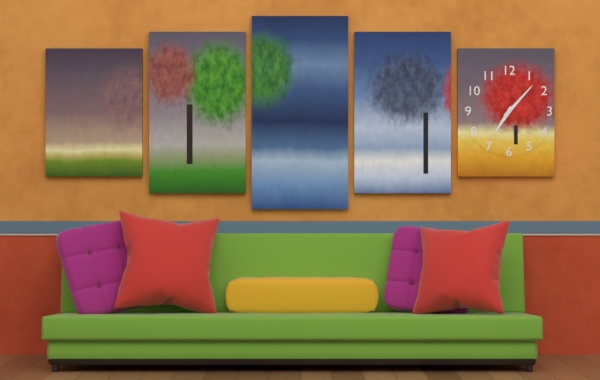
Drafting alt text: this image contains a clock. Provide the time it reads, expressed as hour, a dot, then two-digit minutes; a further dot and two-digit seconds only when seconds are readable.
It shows 7.07
